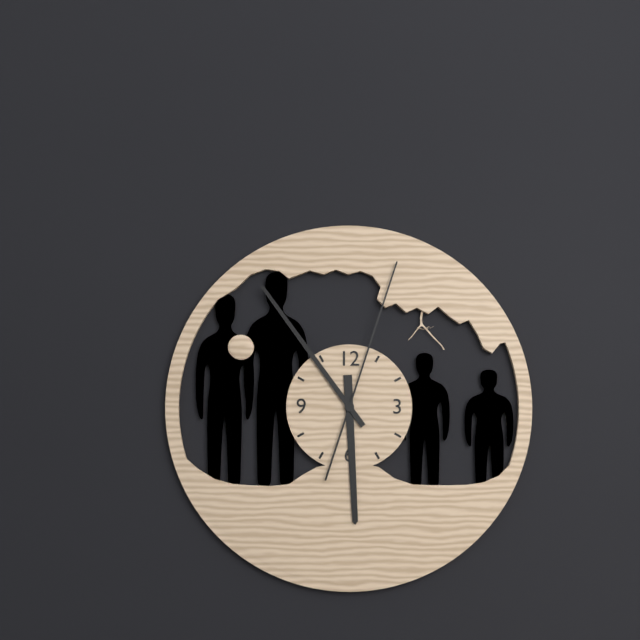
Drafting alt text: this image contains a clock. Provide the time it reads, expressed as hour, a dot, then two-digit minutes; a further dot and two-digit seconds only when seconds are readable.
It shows 5.54.03
